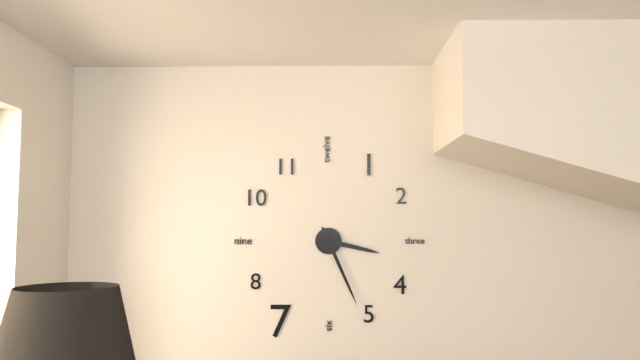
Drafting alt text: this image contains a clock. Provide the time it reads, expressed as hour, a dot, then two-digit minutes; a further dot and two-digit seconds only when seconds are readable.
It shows 3.26
